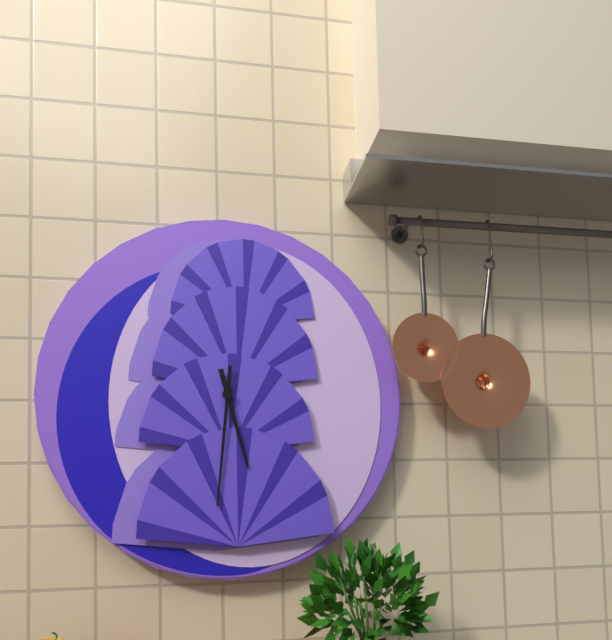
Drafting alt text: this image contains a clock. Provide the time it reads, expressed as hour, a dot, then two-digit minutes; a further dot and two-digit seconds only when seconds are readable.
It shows 5.31
